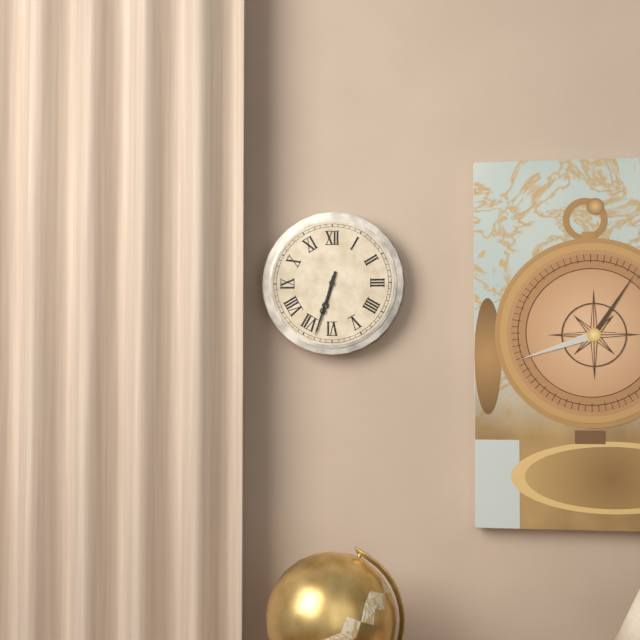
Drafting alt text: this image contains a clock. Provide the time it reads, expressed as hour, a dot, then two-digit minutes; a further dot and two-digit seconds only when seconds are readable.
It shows 6.33
